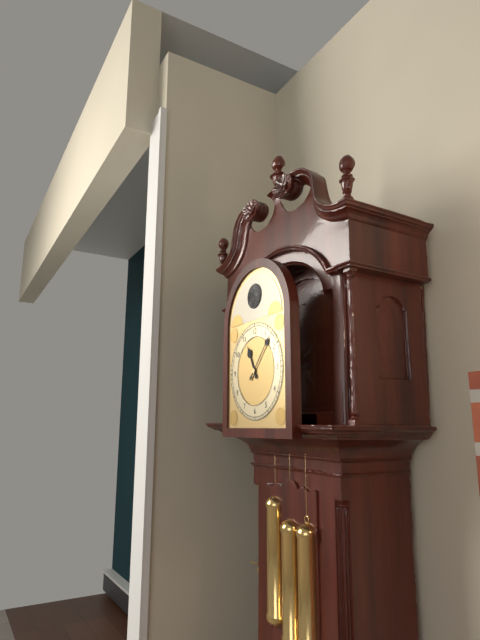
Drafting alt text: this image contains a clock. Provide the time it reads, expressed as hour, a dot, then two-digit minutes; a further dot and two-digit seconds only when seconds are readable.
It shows 11.07
